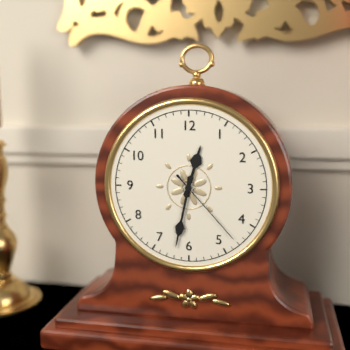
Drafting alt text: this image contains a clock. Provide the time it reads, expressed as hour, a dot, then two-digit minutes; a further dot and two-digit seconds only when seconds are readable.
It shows 12.32.23
